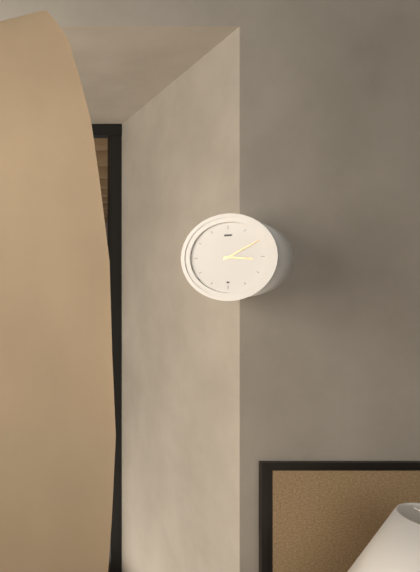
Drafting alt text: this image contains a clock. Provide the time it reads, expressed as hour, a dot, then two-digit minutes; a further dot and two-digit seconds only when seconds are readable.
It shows 3.10
